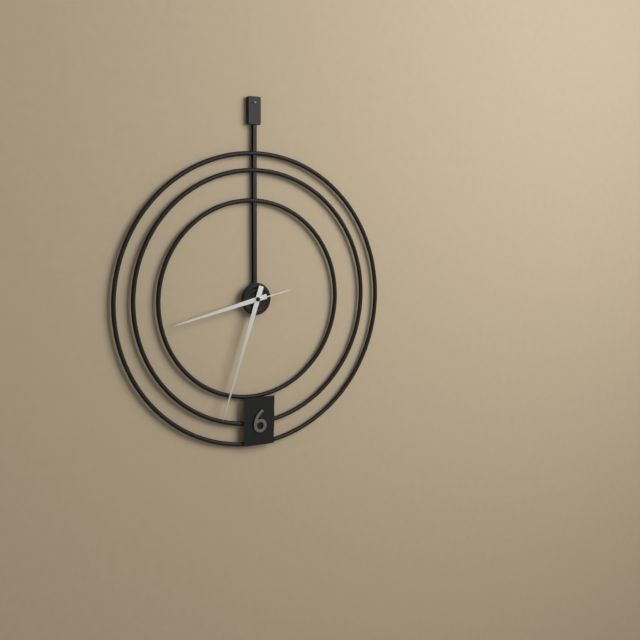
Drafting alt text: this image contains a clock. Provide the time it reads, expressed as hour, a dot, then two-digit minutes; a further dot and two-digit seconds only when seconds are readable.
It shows 8.33
